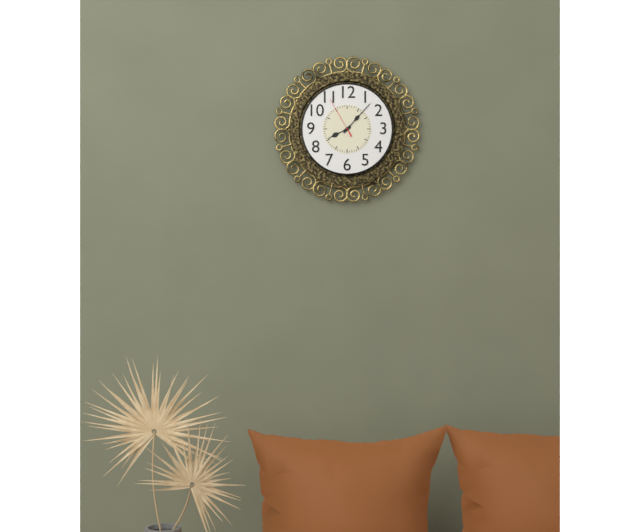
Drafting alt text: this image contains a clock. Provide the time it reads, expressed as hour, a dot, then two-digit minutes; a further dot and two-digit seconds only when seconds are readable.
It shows 8.07
